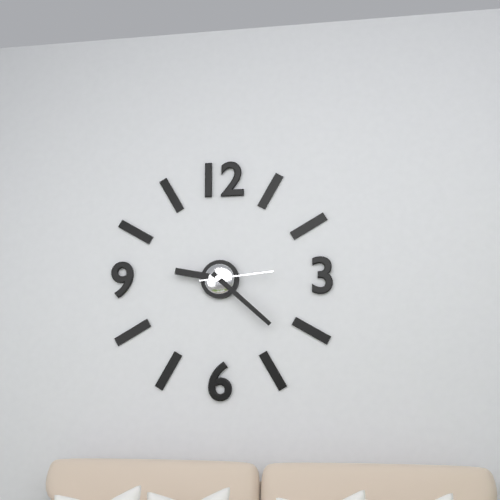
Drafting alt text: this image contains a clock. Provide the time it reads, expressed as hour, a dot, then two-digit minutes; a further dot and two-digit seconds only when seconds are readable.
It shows 9.22.14
